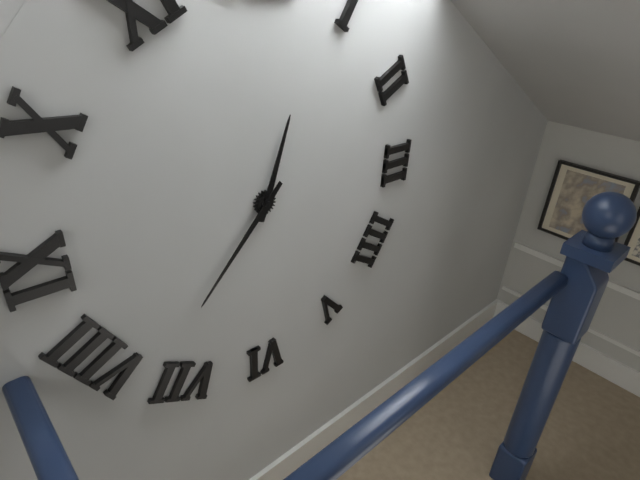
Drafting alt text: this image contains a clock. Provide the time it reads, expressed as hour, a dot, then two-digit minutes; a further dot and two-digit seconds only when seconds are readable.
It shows 12.37
